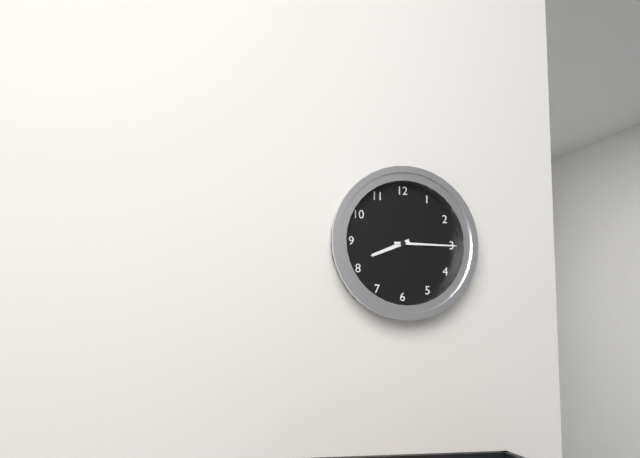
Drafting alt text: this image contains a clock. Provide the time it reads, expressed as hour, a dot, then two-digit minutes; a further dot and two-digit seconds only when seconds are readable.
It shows 8.15
